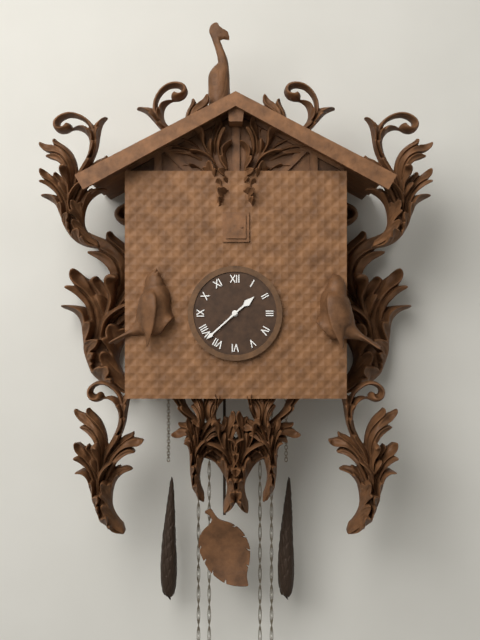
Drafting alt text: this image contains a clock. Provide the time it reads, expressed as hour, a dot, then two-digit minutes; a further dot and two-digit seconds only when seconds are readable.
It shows 1.38
